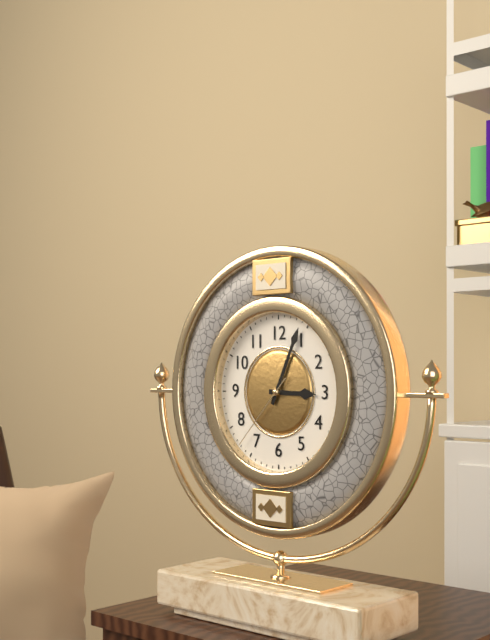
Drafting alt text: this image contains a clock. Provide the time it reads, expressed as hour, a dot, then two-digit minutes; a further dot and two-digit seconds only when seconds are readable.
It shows 3.04.37
